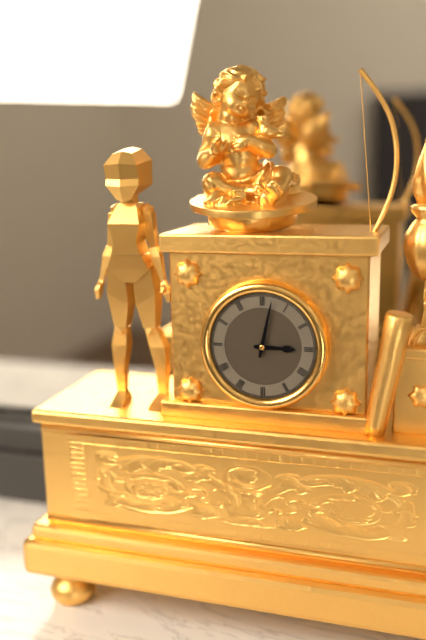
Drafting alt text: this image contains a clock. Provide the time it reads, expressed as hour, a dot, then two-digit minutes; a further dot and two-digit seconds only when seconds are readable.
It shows 3.02
